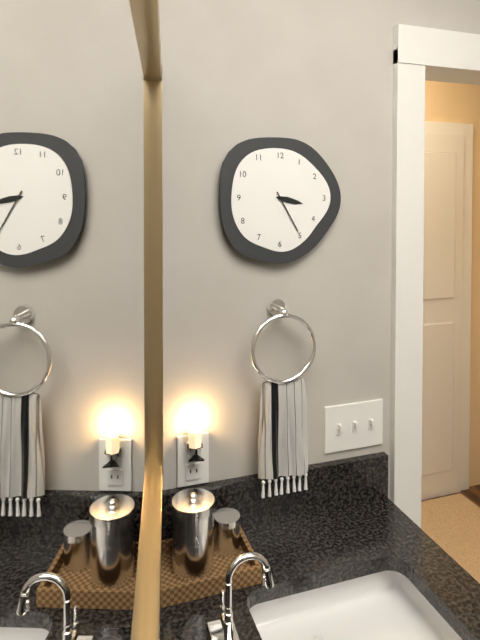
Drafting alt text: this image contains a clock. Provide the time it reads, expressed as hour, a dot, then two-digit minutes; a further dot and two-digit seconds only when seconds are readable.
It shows 3.25
